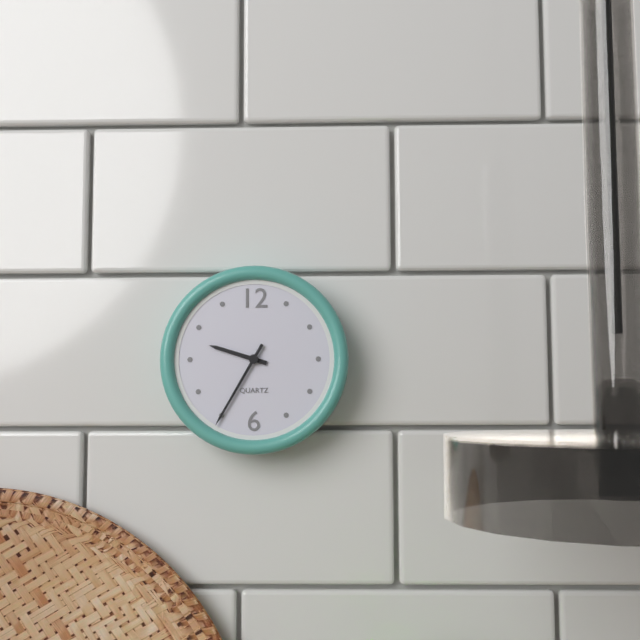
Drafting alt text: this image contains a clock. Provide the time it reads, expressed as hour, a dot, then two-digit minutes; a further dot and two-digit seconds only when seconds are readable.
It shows 9.35
